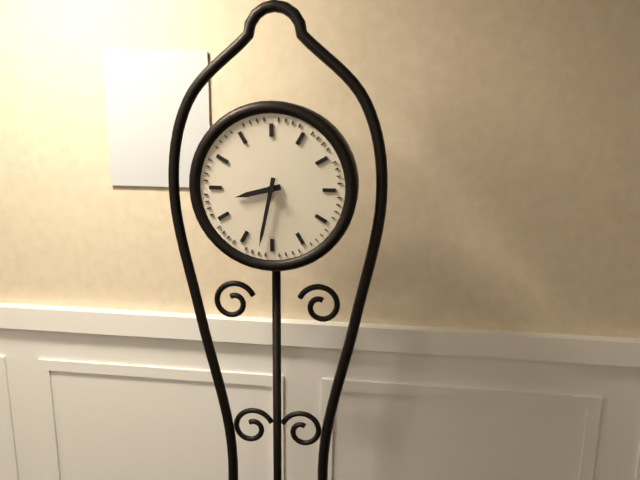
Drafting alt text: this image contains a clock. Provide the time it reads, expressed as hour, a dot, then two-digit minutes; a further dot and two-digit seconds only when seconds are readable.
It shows 8.32
